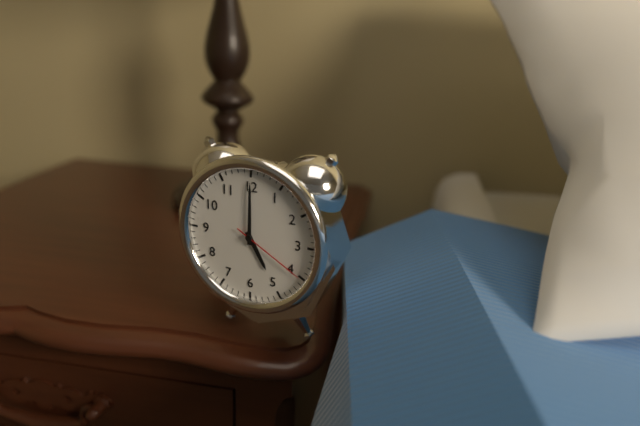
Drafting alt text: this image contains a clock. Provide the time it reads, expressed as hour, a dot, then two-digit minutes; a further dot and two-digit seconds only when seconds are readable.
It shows 5.00.20
